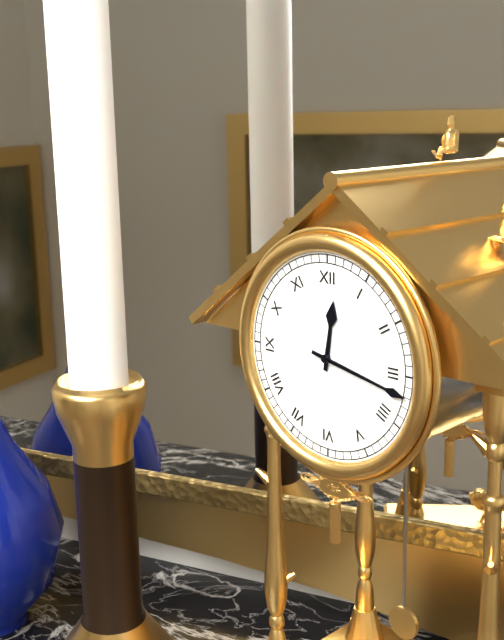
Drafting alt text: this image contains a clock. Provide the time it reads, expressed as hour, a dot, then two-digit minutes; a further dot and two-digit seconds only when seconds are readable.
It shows 12.17
